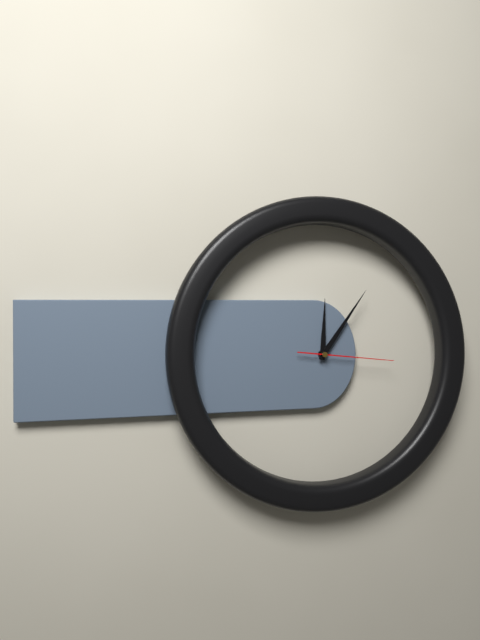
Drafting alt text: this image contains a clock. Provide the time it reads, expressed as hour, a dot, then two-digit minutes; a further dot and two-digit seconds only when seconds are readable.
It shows 12.06.16
